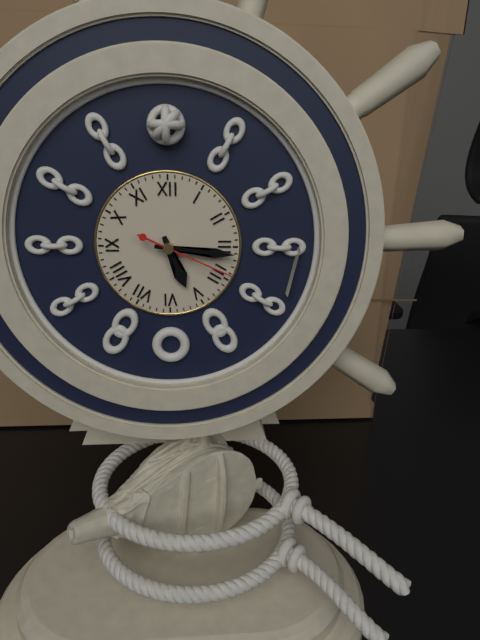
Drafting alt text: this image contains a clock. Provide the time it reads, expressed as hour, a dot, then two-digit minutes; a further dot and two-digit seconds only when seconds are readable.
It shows 5.16.19
